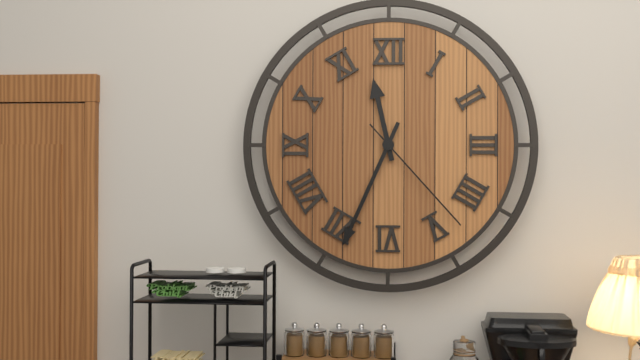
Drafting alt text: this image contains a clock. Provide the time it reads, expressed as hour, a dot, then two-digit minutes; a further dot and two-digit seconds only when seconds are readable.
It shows 11.34.23
